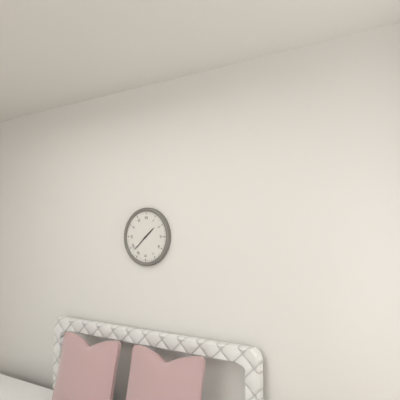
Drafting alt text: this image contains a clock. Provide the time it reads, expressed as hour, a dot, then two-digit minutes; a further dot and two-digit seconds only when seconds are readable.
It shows 1.38
